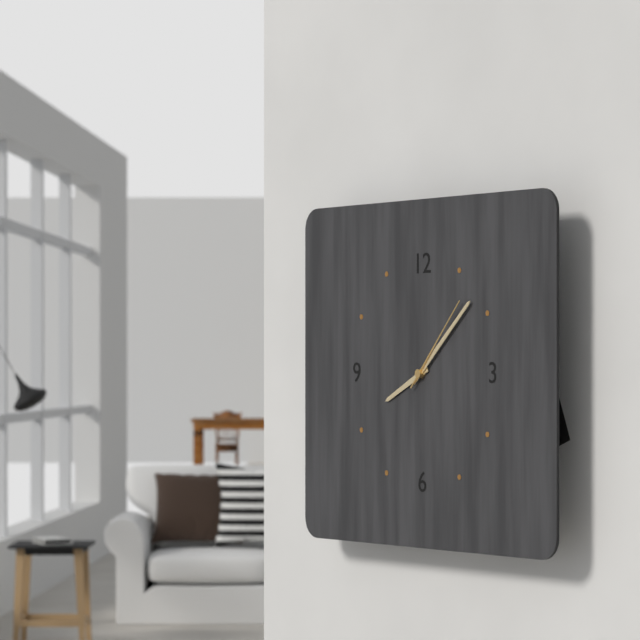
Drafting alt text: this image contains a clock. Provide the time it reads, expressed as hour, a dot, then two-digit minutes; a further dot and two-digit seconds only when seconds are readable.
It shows 8.08.07
